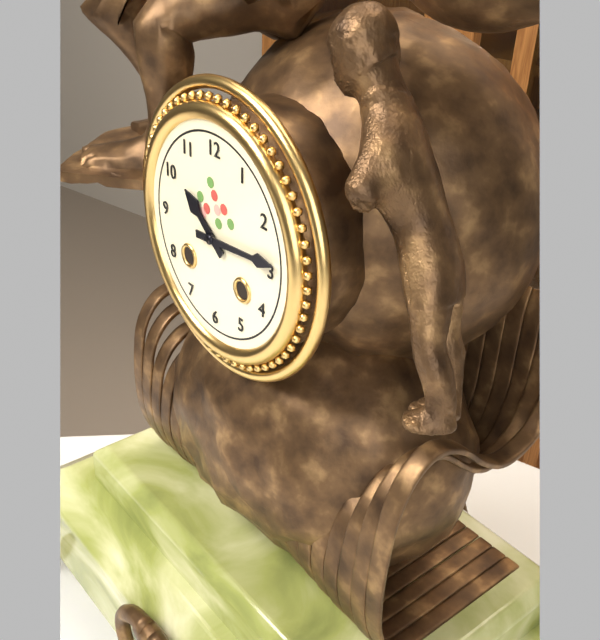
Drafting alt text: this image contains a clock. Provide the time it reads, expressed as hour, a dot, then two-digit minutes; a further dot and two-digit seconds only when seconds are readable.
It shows 10.14
